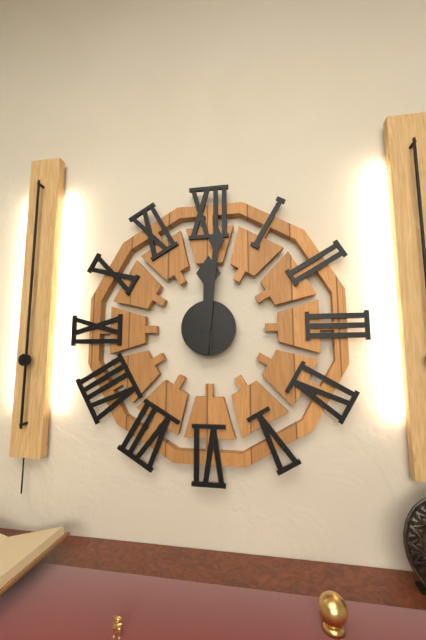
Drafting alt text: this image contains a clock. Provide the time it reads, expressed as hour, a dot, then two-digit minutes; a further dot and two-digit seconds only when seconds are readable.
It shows 12.01
